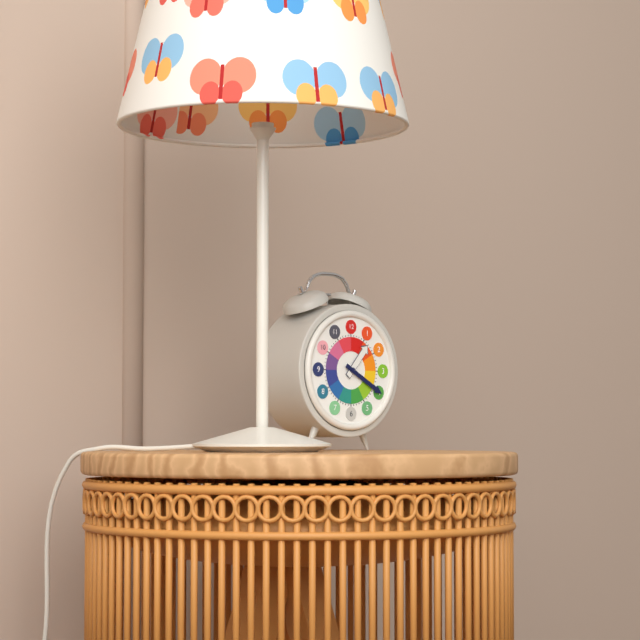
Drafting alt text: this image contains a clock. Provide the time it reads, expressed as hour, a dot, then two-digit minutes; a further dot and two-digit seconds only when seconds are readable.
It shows 1.20
